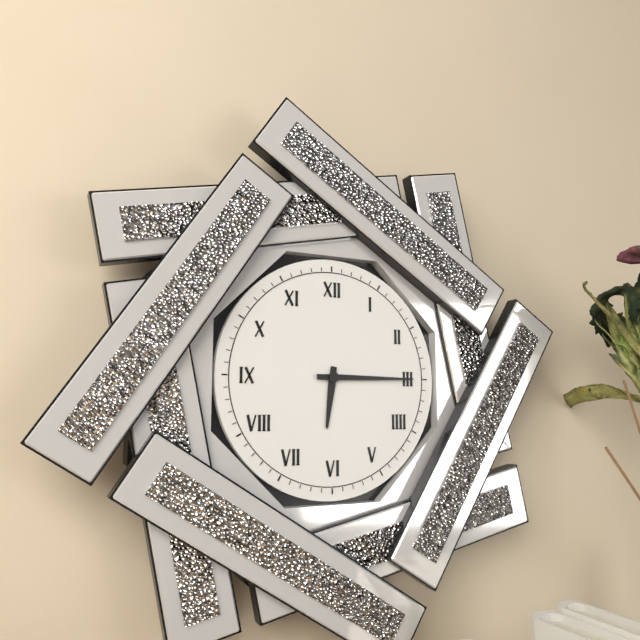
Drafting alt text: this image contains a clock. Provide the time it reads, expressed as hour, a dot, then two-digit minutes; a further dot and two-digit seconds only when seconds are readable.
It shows 6.15
